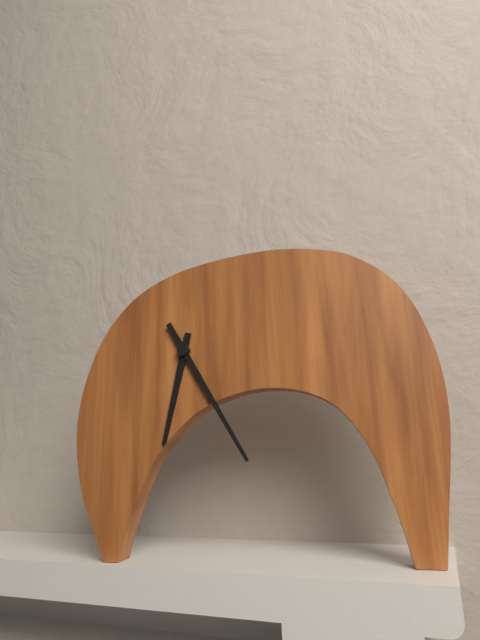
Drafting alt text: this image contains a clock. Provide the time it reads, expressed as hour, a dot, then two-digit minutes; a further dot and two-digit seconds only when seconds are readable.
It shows 6.25
